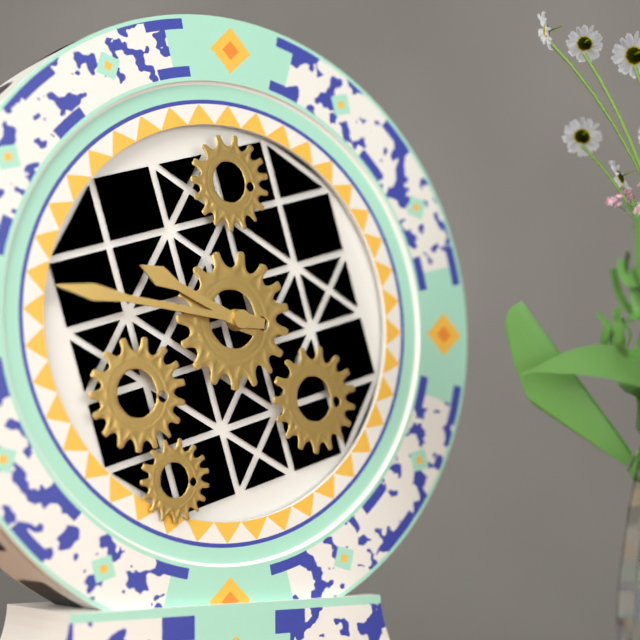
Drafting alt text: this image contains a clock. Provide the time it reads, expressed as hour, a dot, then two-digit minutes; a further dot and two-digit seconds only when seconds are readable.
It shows 9.46
